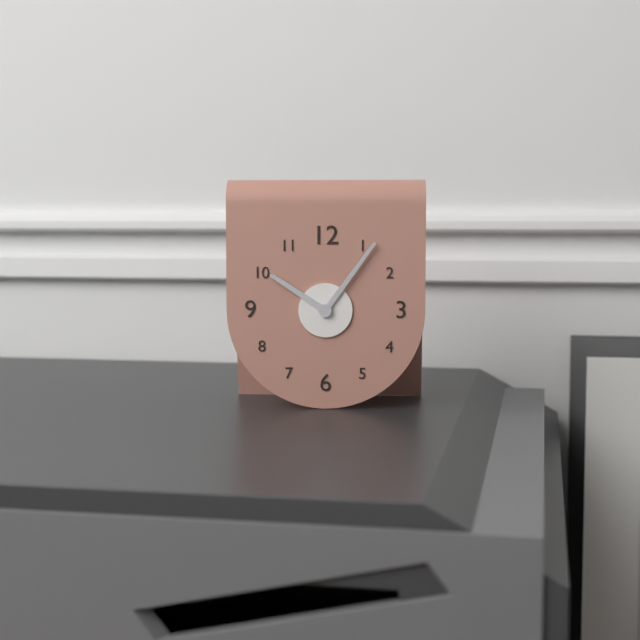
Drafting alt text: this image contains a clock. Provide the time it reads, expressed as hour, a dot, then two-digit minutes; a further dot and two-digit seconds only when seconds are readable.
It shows 10.06
